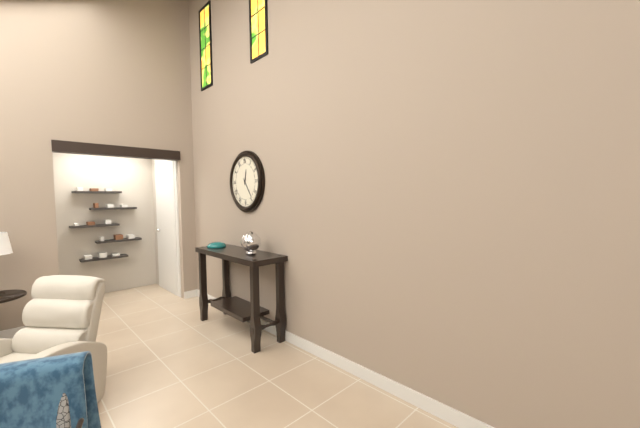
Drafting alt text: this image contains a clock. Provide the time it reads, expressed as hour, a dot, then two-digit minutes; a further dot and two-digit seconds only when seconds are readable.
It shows 12.24
